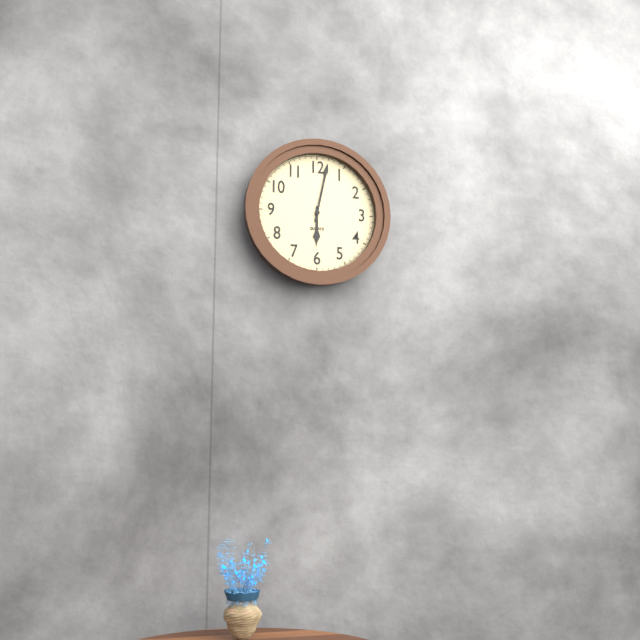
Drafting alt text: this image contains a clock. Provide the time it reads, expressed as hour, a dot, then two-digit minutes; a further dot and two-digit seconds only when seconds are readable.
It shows 6.02
